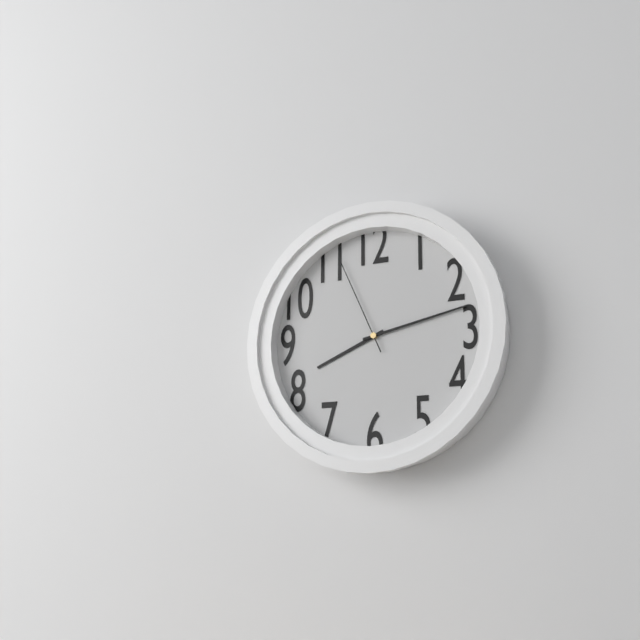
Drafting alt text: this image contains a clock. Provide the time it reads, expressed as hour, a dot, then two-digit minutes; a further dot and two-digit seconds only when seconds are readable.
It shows 8.13.56
